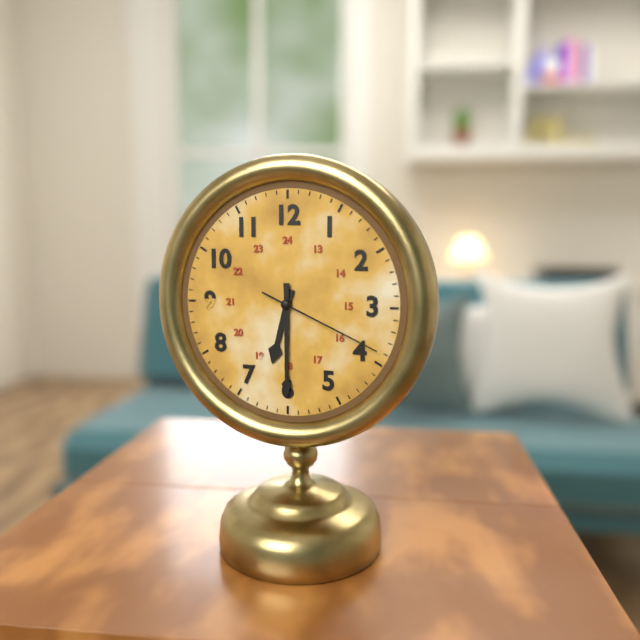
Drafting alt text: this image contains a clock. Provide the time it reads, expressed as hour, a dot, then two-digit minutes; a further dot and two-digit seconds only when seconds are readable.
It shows 6.30.19
